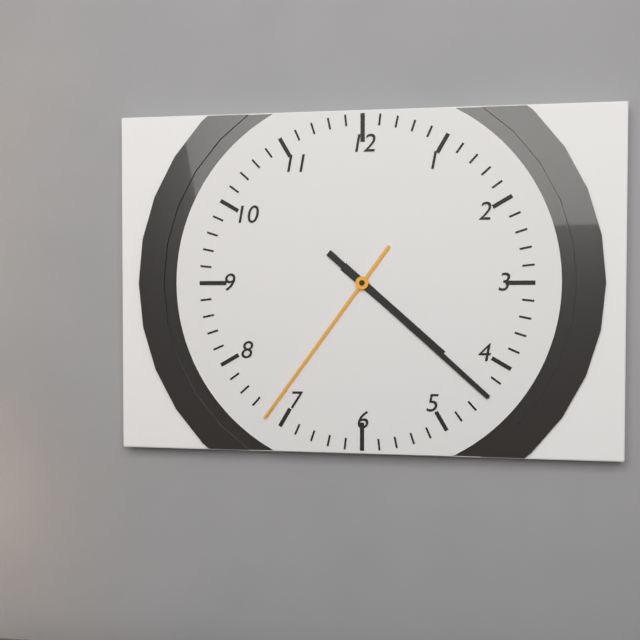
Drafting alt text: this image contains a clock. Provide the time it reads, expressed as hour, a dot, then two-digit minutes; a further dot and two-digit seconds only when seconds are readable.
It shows 4.22.36
